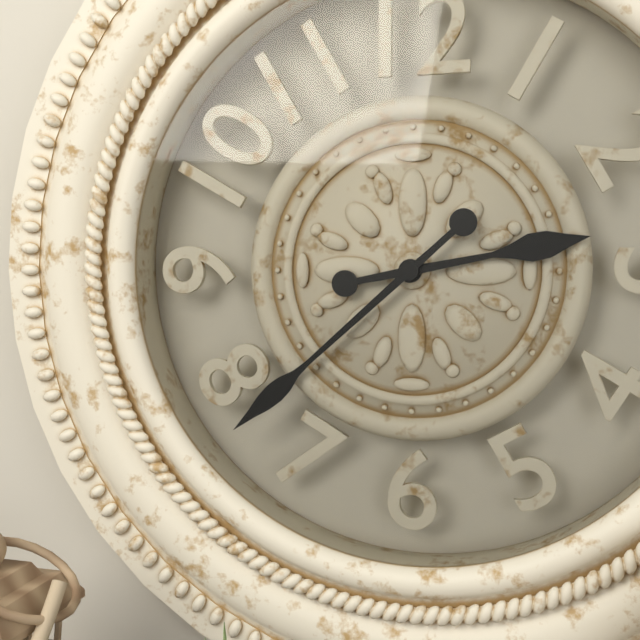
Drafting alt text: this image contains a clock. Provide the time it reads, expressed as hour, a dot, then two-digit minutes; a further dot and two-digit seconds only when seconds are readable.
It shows 2.38
